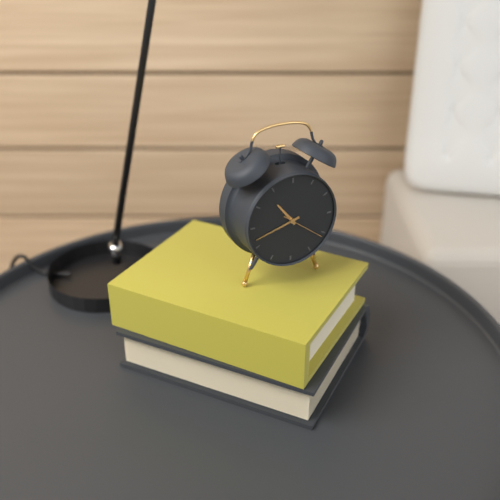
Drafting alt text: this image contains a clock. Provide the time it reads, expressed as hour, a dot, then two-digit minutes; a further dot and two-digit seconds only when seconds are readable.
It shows 10.42.21
